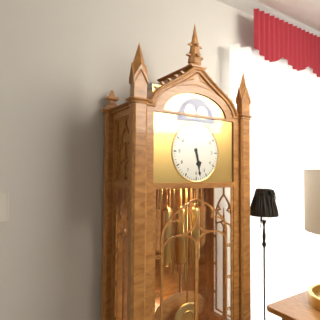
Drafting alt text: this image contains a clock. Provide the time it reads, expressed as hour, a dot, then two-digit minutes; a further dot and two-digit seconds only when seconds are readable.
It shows 5.28
